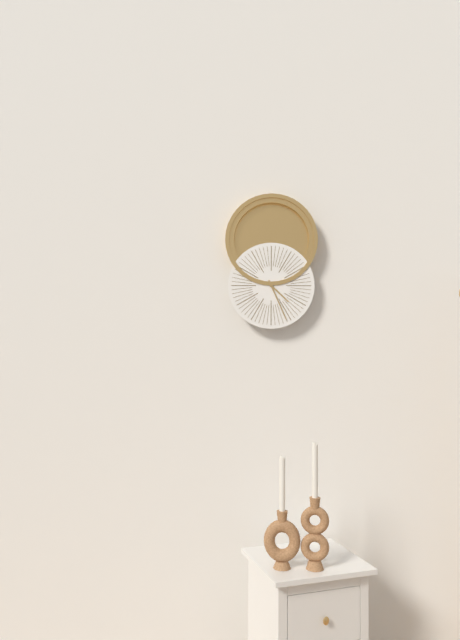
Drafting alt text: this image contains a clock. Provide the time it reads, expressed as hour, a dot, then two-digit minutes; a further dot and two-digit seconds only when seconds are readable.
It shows 4.26
